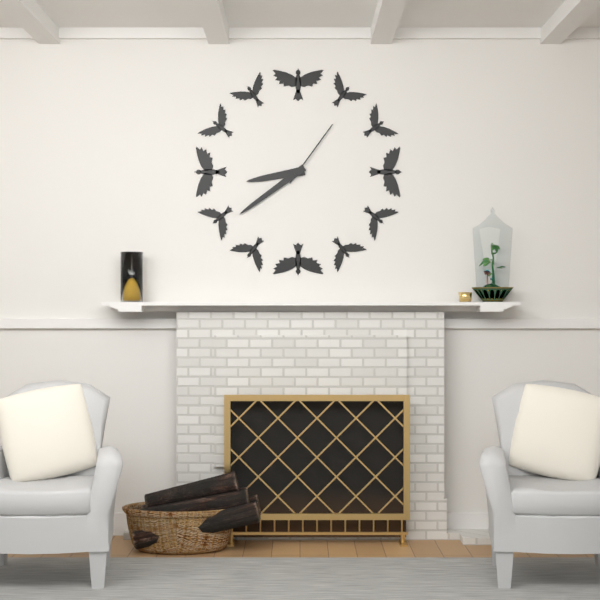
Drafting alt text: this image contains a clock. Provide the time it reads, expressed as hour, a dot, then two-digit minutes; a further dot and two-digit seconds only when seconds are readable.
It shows 8.39.06
